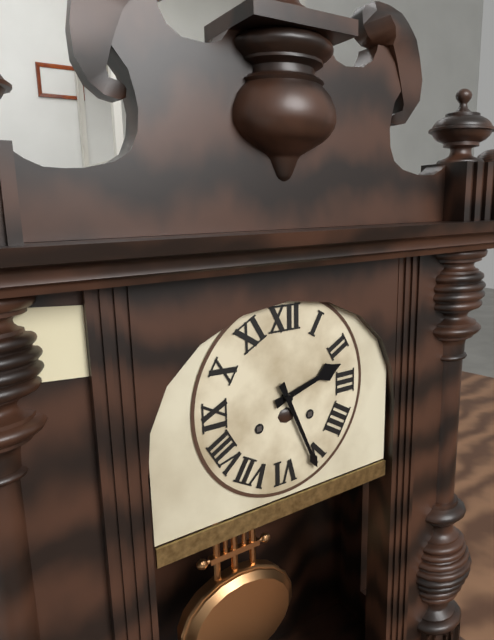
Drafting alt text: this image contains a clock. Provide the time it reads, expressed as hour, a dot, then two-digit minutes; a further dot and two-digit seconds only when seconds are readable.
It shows 2.26
